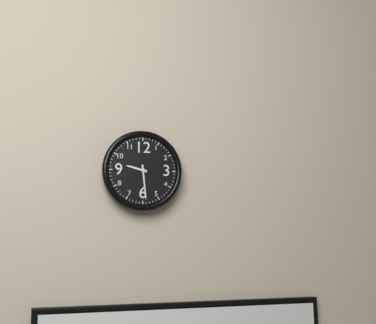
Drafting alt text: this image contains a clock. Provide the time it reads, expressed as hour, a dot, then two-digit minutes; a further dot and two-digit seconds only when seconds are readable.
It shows 9.29
